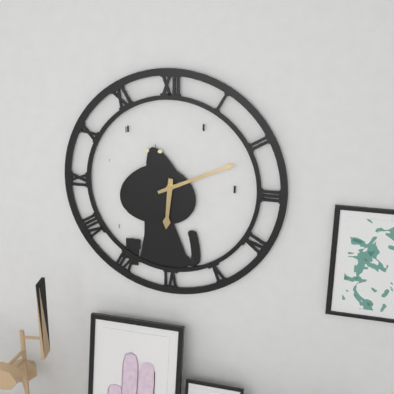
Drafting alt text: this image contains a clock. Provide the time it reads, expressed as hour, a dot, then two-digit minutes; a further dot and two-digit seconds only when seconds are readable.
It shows 6.11
